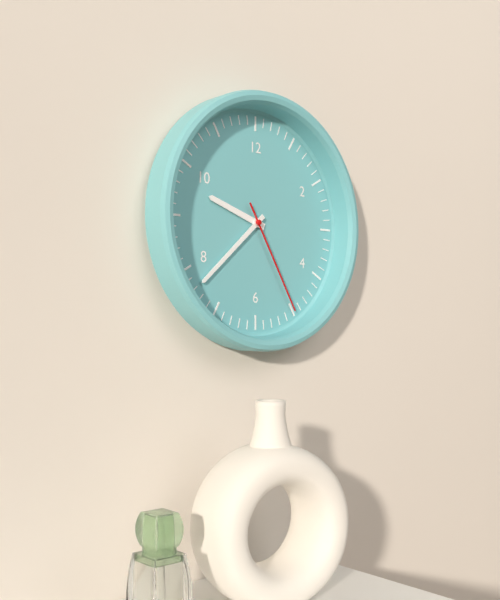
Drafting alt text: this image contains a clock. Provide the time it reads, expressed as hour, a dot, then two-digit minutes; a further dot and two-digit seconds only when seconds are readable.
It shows 9.38.25
